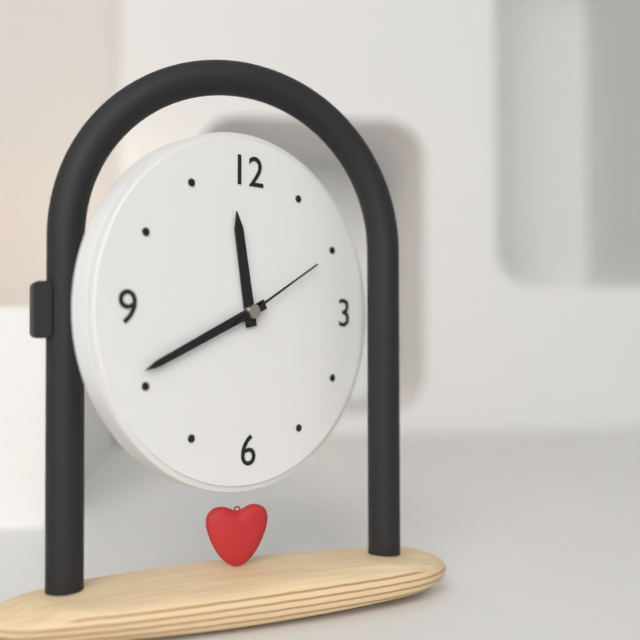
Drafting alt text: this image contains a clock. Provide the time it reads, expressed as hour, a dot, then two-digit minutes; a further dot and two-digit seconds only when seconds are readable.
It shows 11.41.10
